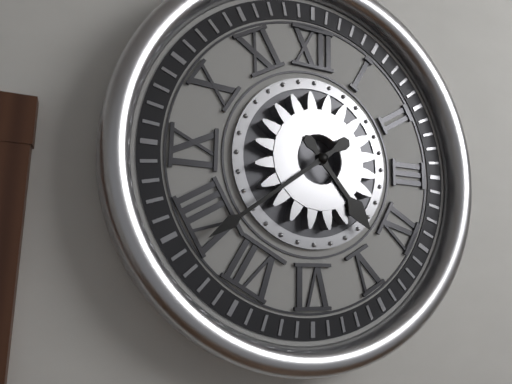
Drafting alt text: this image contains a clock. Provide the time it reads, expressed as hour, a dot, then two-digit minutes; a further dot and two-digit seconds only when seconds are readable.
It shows 4.39
